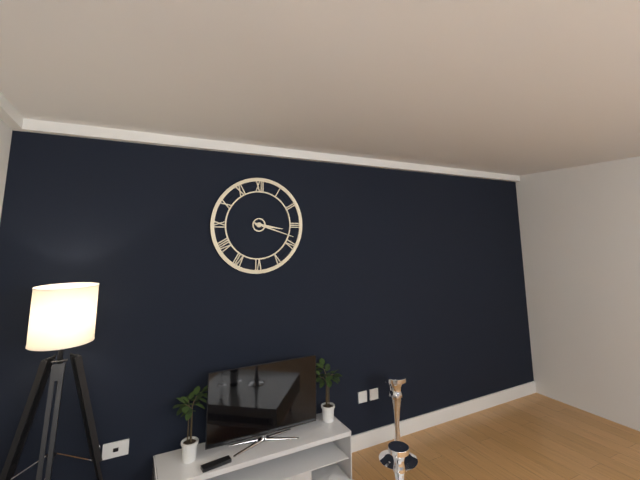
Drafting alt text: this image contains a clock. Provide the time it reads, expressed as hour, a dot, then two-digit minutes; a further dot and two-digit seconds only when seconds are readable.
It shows 3.18
